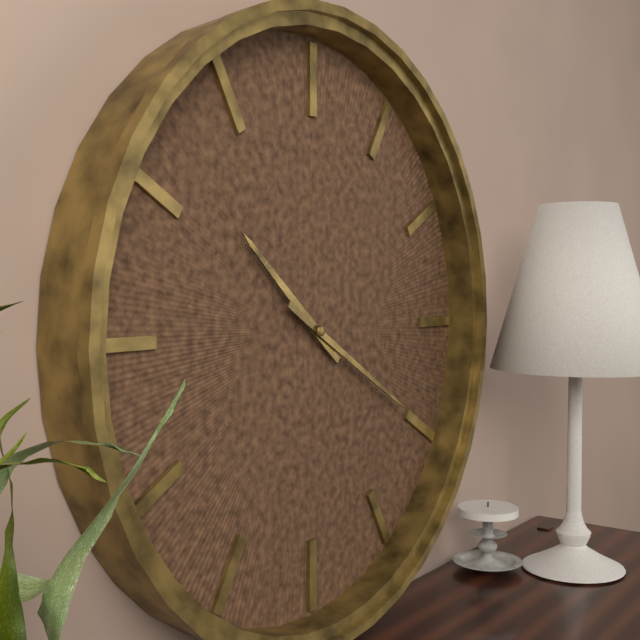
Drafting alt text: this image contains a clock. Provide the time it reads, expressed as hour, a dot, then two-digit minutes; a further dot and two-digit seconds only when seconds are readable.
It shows 10.20
